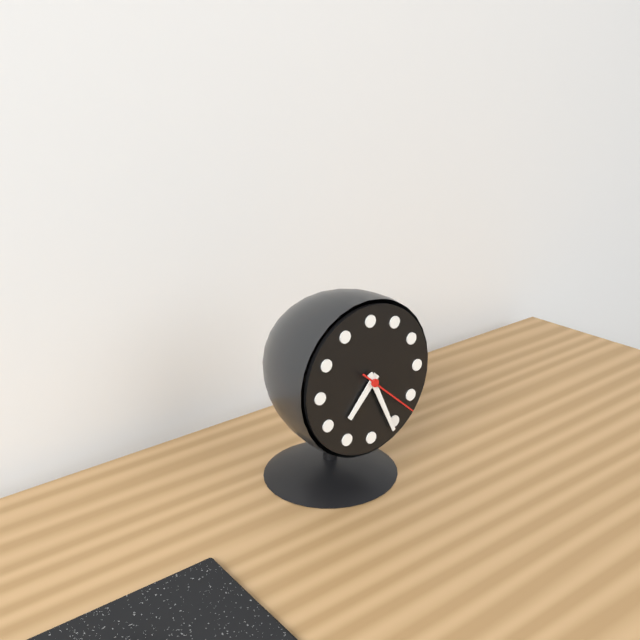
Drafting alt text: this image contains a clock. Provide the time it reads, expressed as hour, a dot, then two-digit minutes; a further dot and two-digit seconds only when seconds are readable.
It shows 7.26.22
